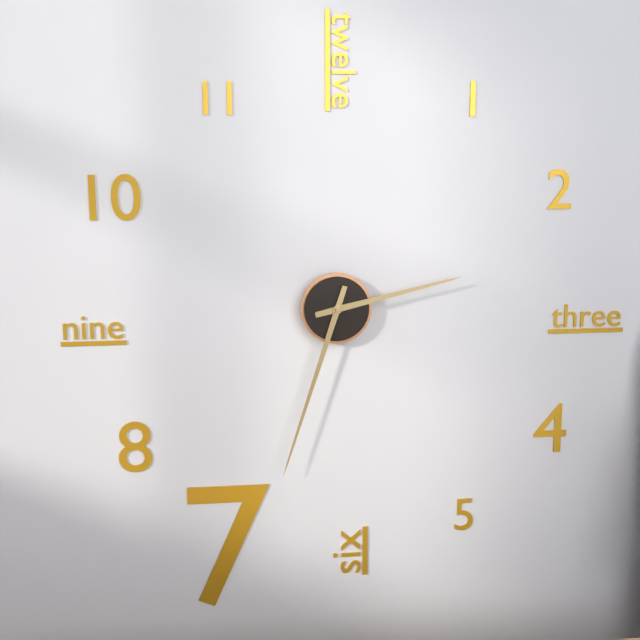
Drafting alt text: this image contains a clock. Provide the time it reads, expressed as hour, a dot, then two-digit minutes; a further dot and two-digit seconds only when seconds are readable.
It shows 2.33
